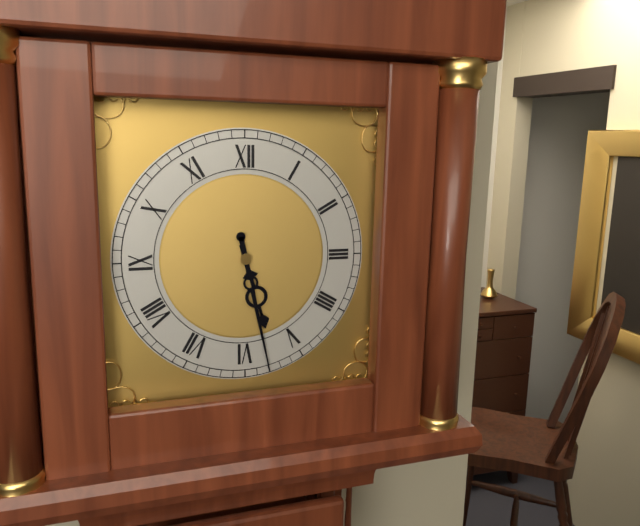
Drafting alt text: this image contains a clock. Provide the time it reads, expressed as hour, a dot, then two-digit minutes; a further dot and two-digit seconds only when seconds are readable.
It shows 5.28
